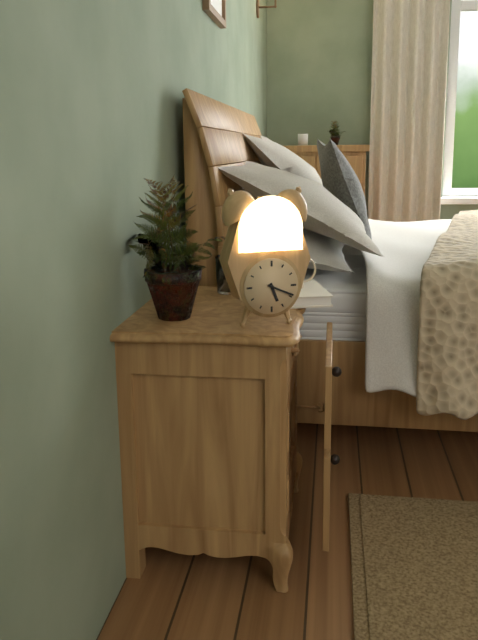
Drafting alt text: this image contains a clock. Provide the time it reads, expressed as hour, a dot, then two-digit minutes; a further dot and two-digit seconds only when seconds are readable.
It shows 5.19
